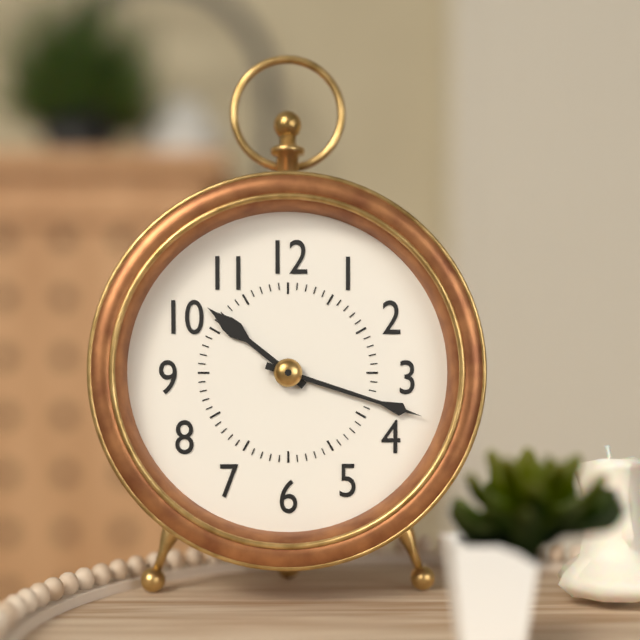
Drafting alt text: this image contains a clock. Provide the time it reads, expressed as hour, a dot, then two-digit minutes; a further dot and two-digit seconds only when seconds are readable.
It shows 10.18
